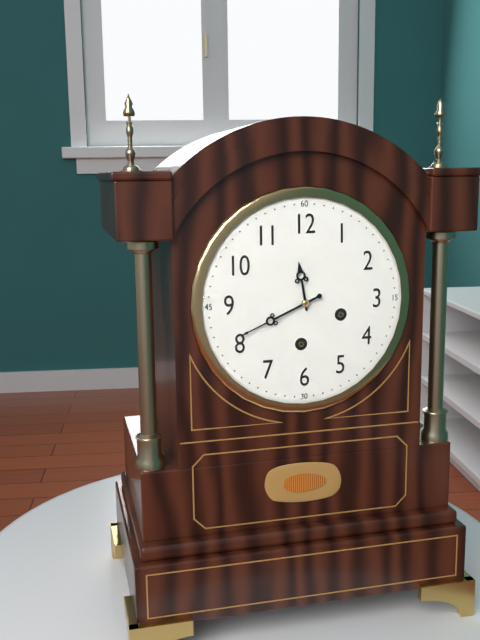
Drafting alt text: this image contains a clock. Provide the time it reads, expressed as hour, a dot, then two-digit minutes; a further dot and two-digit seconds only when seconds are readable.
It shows 11.41
